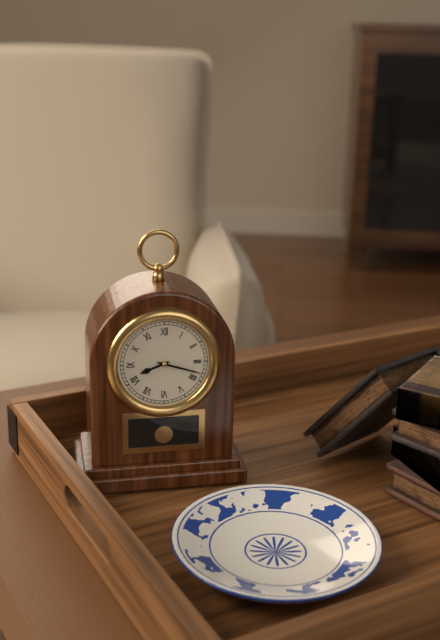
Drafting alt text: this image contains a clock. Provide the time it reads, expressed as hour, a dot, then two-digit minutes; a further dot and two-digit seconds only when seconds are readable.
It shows 8.18
